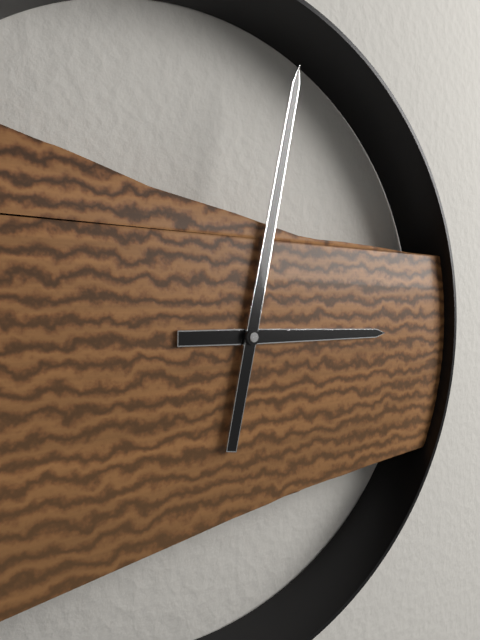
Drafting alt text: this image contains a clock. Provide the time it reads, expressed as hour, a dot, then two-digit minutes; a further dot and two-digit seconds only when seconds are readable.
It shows 3.02
